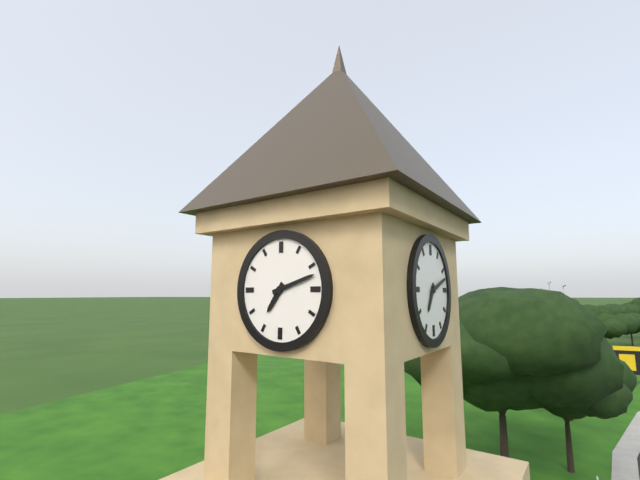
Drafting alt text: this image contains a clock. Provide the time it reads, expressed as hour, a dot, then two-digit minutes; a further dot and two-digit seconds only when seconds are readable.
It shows 7.12
